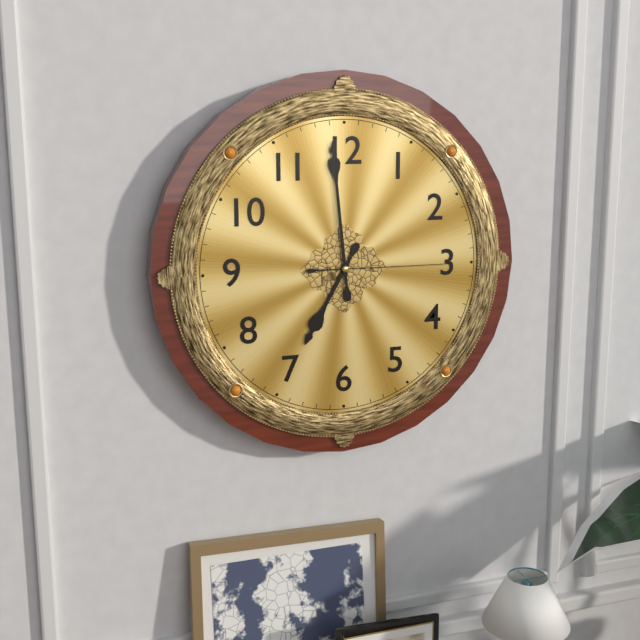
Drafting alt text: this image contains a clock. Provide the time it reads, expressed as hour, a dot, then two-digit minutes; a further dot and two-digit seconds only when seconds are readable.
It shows 6.59.15
